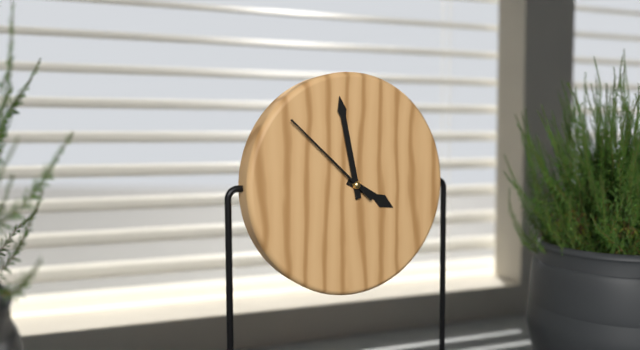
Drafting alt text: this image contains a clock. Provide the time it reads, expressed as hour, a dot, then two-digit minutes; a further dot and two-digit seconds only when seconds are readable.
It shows 3.58.52
